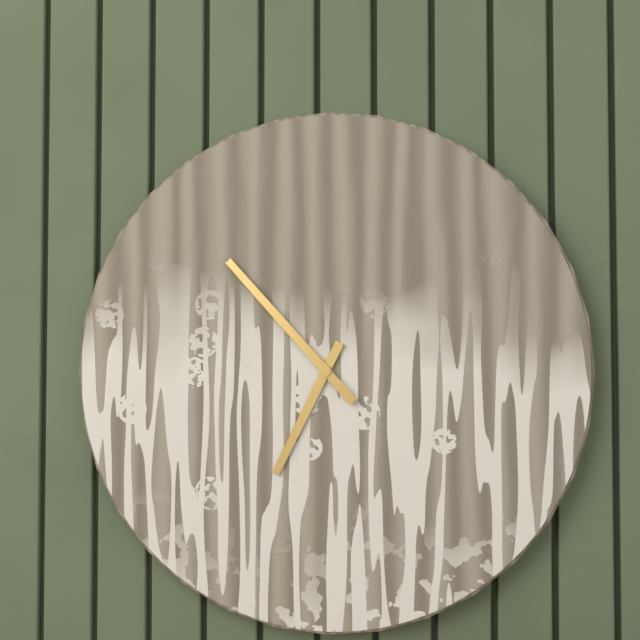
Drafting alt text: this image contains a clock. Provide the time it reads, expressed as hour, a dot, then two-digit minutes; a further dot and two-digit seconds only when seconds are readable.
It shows 6.53
